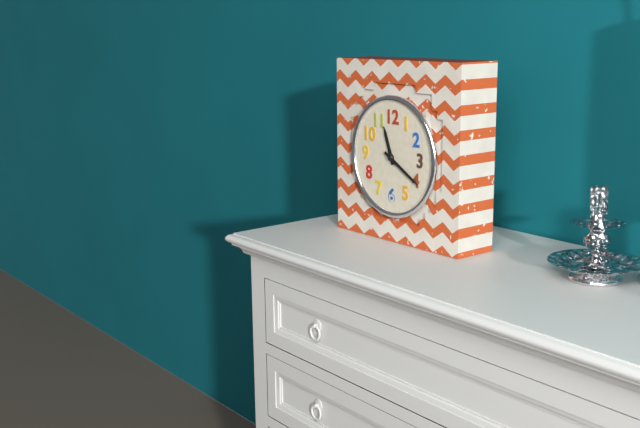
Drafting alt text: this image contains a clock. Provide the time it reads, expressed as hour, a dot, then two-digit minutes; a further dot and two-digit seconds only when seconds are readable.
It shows 11.20
